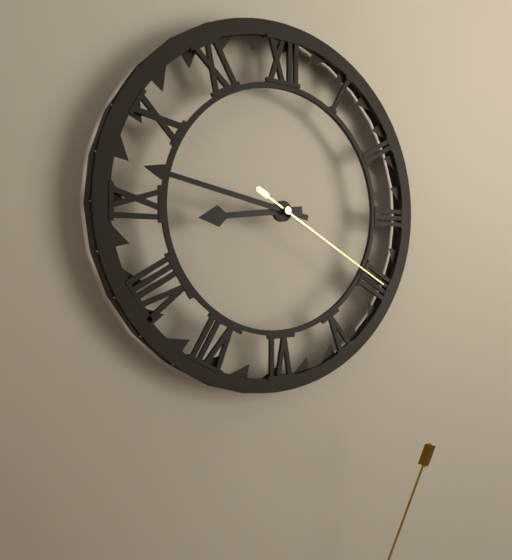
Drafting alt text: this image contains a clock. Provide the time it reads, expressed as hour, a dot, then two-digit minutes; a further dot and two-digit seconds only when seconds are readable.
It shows 8.47.20
